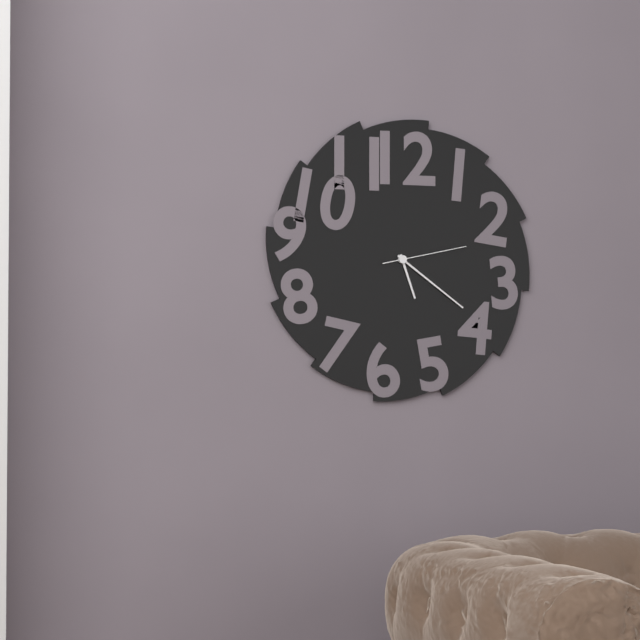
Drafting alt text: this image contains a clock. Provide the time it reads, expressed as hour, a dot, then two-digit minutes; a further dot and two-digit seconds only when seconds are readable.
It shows 5.21.13
